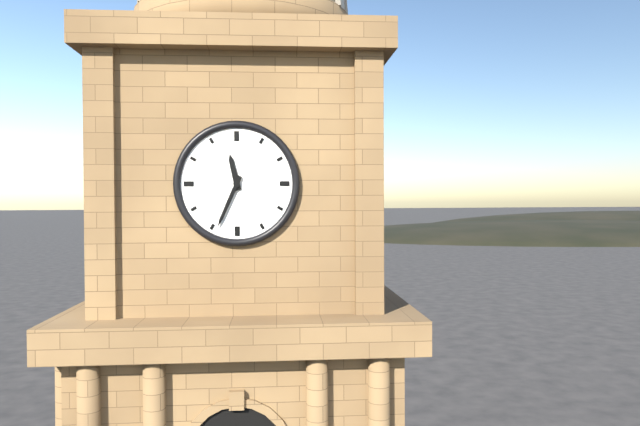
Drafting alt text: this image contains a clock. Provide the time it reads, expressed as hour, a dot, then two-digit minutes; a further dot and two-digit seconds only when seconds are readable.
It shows 11.34
